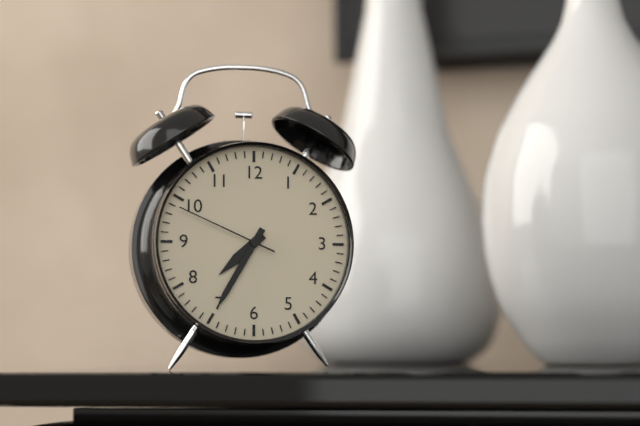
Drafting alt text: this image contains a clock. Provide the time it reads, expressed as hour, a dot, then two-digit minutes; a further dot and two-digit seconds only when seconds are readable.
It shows 7.35.49
